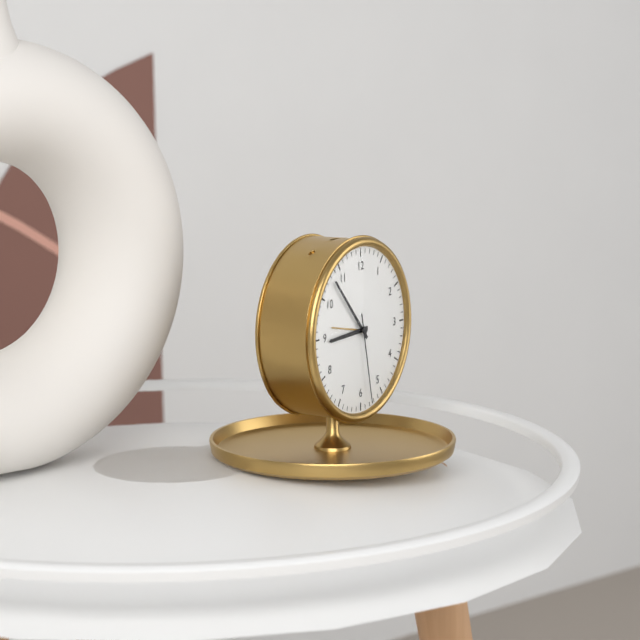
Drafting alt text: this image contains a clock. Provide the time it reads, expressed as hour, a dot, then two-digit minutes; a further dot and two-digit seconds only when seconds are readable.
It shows 8.53.28
